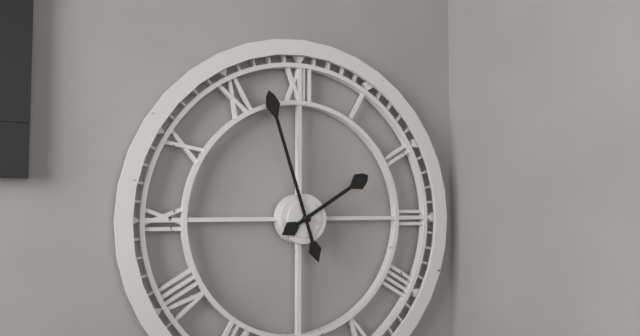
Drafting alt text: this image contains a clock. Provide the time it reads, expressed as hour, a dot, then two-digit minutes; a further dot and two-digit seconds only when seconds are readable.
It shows 1.57
